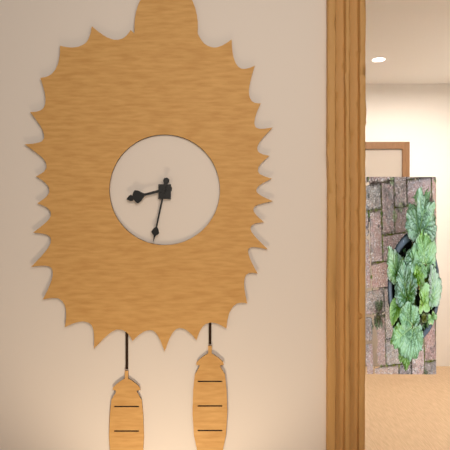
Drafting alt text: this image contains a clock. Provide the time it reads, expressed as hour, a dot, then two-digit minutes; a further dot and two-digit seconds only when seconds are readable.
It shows 8.32
